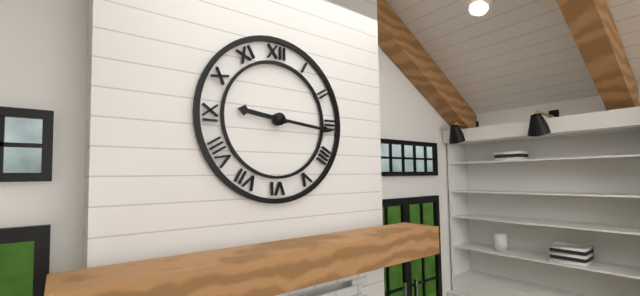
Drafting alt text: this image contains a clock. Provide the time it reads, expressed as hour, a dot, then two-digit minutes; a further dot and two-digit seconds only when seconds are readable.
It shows 9.16
